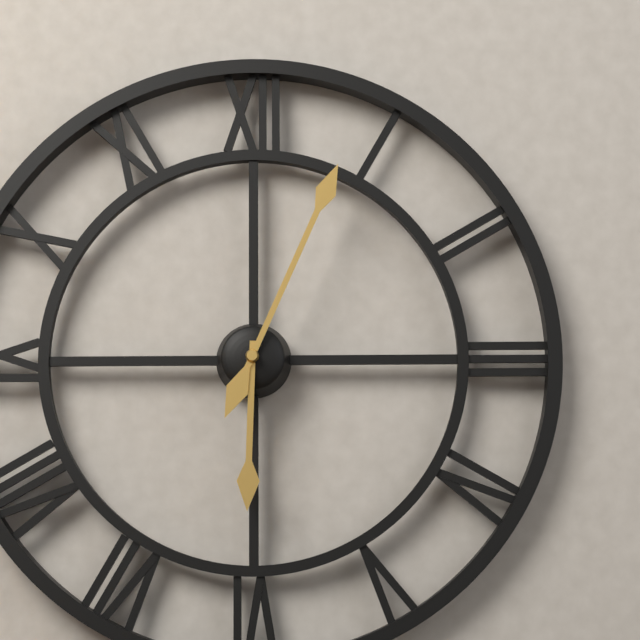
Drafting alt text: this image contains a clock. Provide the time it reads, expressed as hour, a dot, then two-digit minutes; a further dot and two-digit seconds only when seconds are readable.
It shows 6.04
